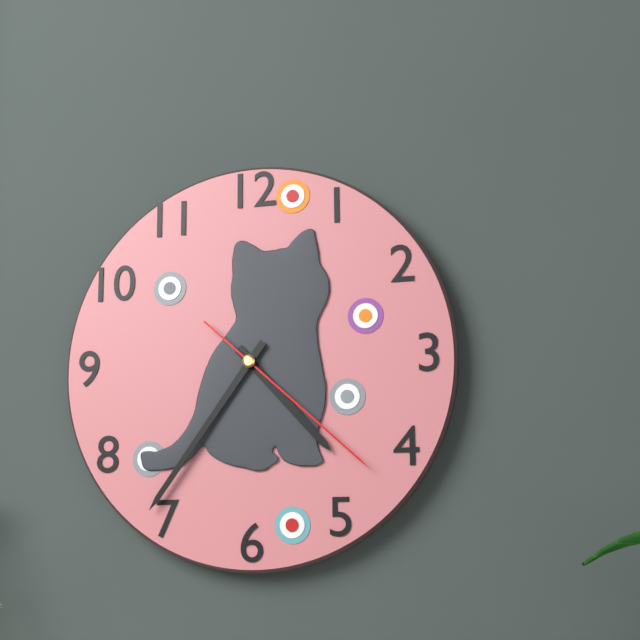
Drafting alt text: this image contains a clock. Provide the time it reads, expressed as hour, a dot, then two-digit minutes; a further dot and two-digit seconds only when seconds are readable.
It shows 4.36.22
